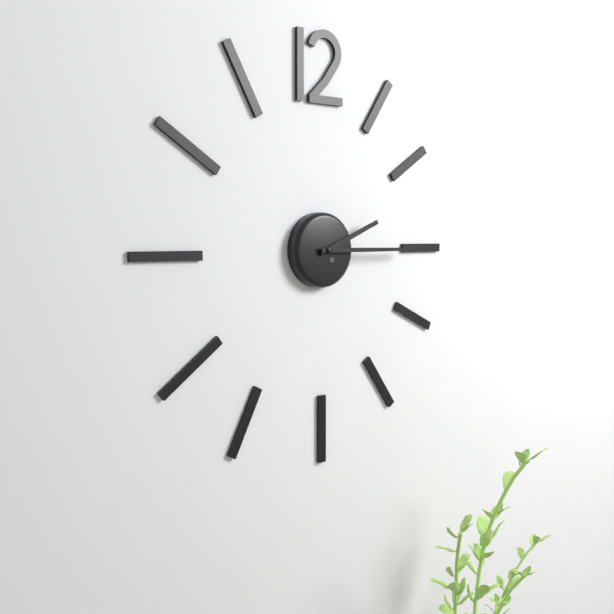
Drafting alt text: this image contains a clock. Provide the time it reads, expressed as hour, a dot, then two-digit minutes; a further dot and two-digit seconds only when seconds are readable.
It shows 2.15
